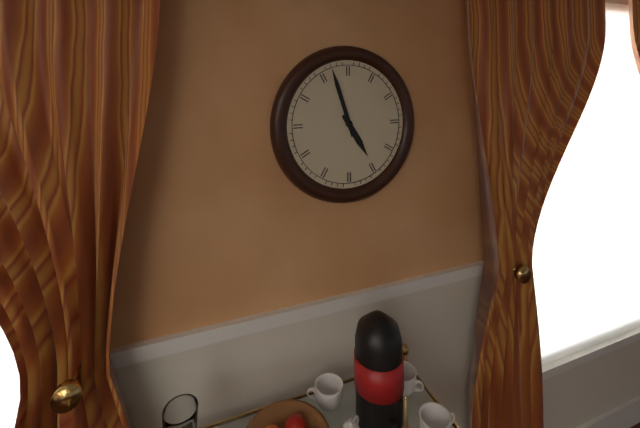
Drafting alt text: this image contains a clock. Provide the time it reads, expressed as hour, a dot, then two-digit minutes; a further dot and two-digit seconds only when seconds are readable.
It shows 4.57
